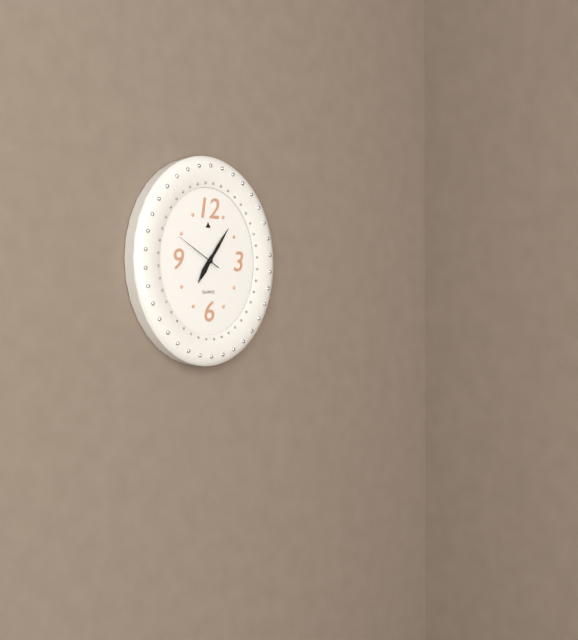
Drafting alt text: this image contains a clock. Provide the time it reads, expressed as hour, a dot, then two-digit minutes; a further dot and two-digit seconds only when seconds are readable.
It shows 7.06.50
